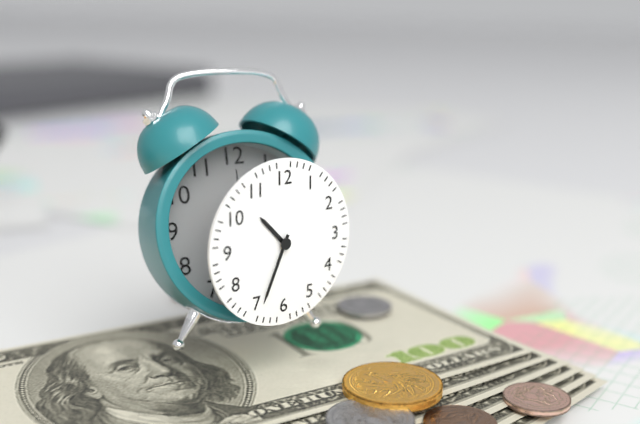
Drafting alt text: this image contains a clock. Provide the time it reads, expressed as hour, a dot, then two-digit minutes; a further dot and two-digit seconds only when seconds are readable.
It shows 10.34
